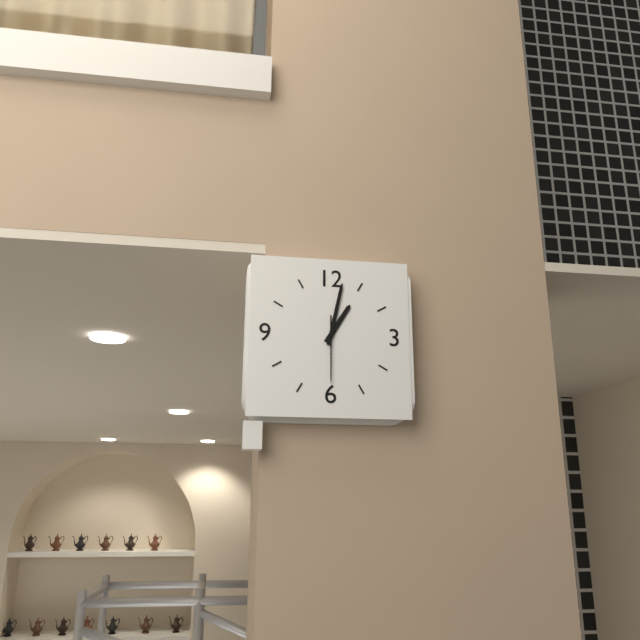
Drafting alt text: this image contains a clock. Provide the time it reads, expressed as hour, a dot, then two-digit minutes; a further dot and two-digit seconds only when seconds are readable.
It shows 1.02.30
